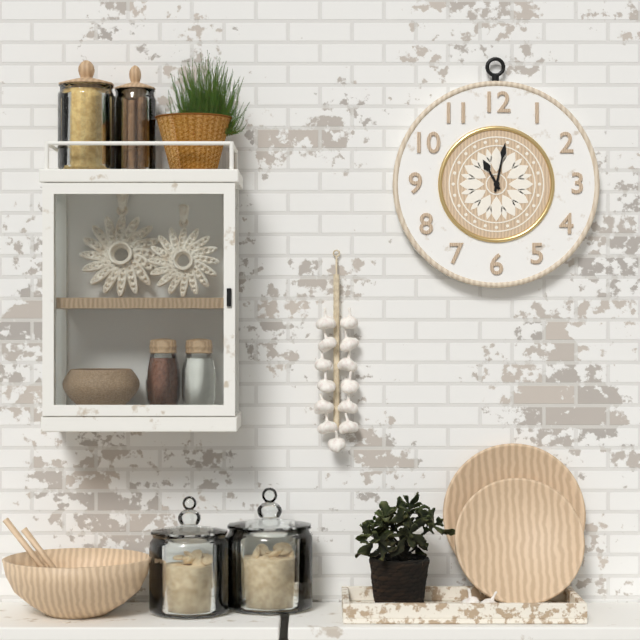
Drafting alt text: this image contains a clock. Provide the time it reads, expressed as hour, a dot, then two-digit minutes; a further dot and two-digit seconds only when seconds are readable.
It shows 11.02
